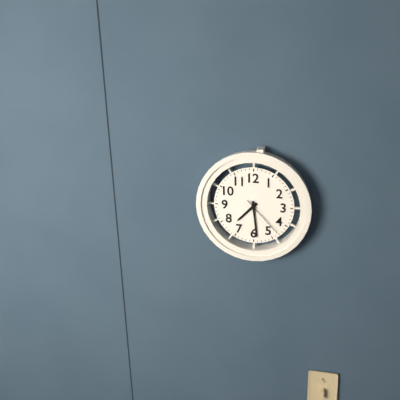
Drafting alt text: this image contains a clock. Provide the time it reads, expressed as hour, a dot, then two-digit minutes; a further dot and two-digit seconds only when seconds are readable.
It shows 7.29
